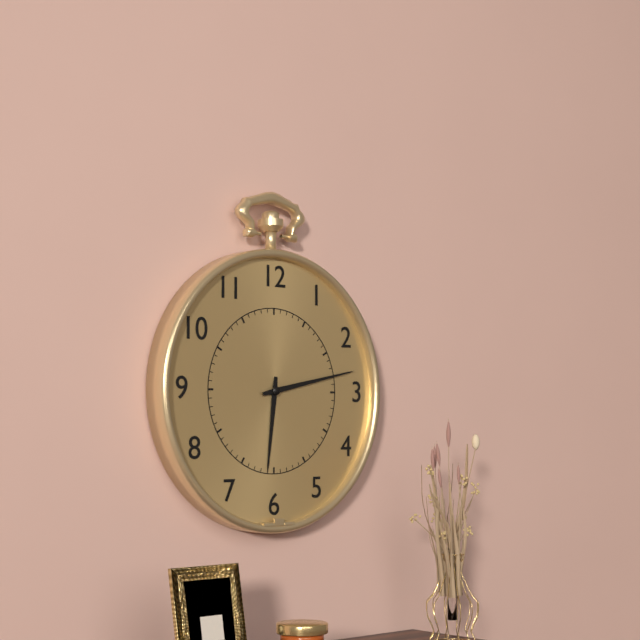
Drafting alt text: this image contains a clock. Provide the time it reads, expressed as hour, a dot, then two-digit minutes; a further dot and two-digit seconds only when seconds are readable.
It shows 6.13
